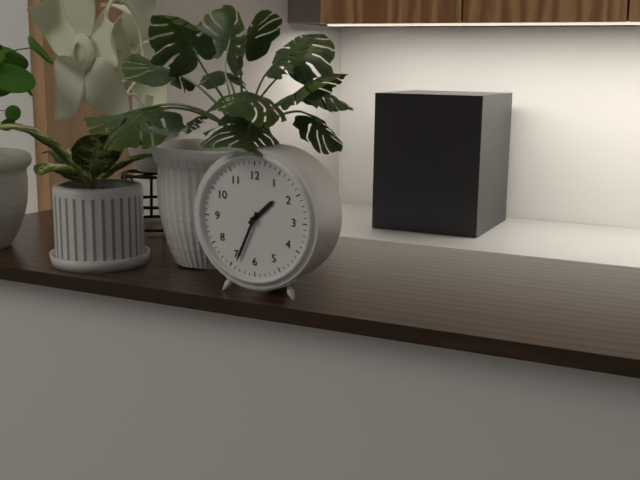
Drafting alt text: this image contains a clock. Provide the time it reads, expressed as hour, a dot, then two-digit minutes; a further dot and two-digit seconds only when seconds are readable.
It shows 1.34
